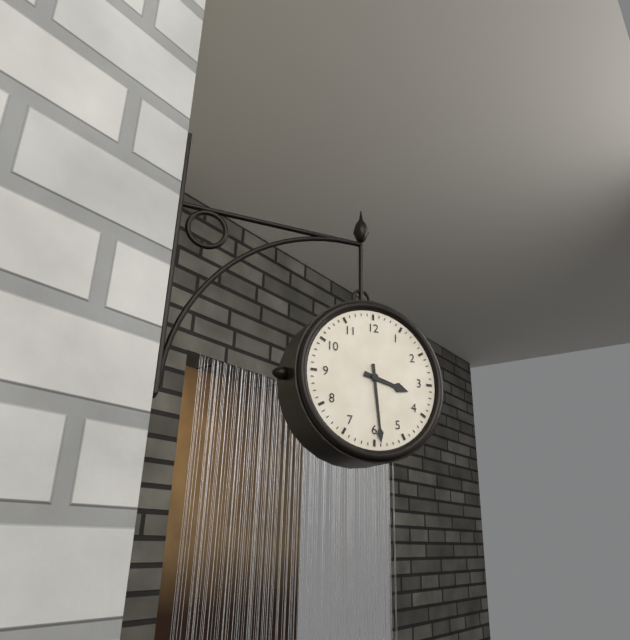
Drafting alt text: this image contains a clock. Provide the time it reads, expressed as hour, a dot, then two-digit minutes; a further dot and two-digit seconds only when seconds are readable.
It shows 3.29
